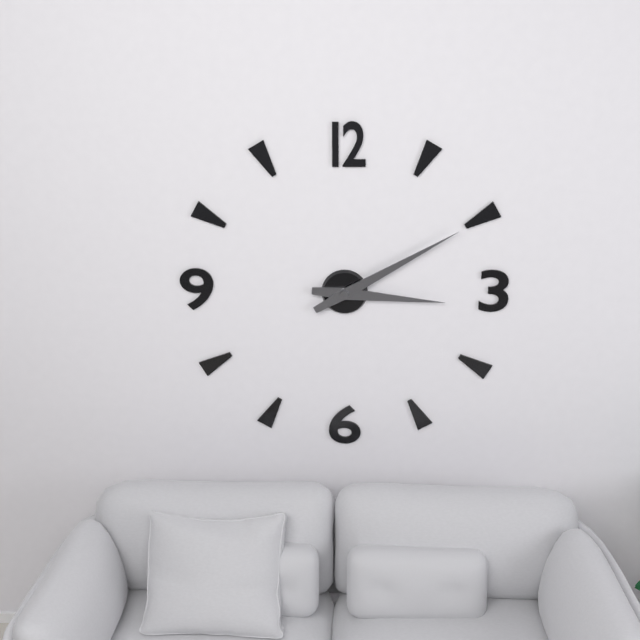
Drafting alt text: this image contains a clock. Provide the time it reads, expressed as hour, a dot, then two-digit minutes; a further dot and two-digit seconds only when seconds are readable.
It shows 3.10
